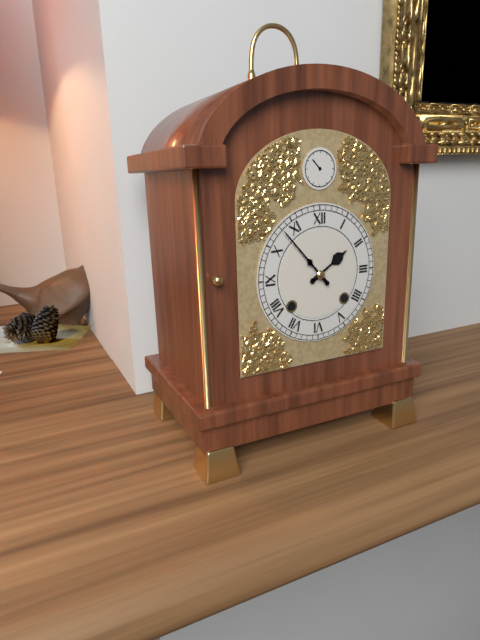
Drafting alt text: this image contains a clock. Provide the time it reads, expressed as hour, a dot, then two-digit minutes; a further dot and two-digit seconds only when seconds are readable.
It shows 1.53
